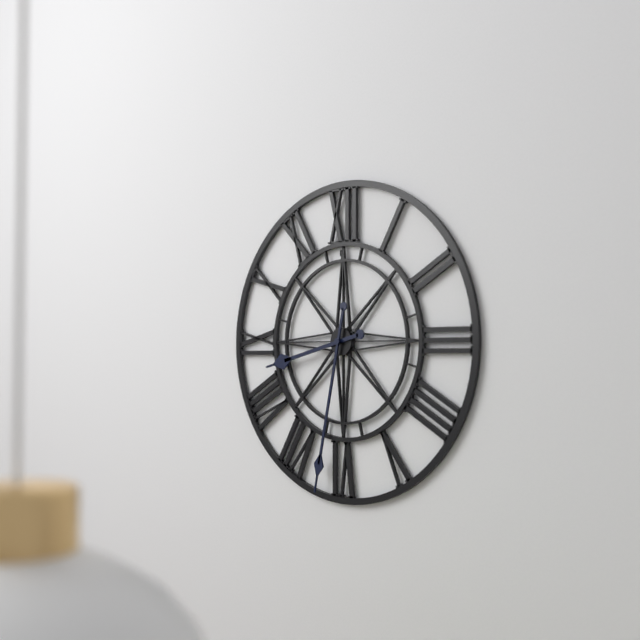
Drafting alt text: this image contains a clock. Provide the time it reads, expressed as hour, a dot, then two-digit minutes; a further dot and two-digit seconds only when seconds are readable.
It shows 8.32
